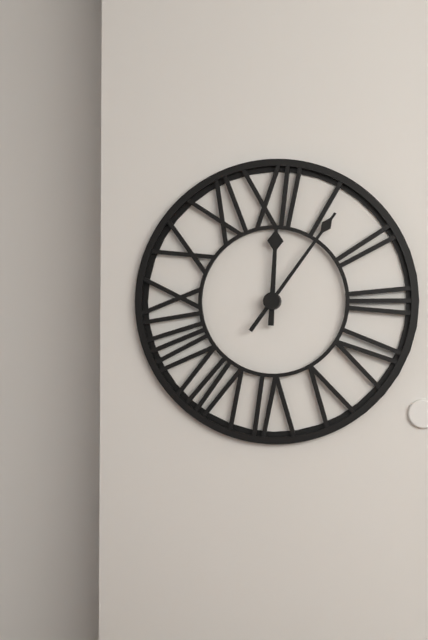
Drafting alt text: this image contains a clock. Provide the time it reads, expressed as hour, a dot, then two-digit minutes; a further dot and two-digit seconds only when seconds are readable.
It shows 12.06
